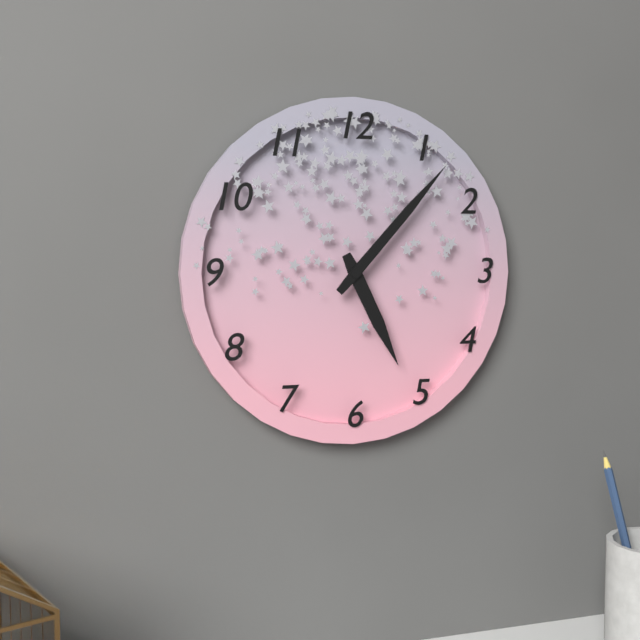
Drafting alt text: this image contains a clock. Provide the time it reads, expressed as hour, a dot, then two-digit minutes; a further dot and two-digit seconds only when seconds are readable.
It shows 5.07
